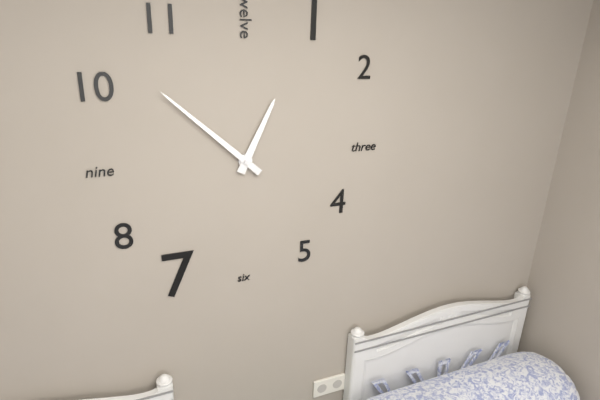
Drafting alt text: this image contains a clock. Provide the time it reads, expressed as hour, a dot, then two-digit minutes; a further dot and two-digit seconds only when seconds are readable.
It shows 12.52
